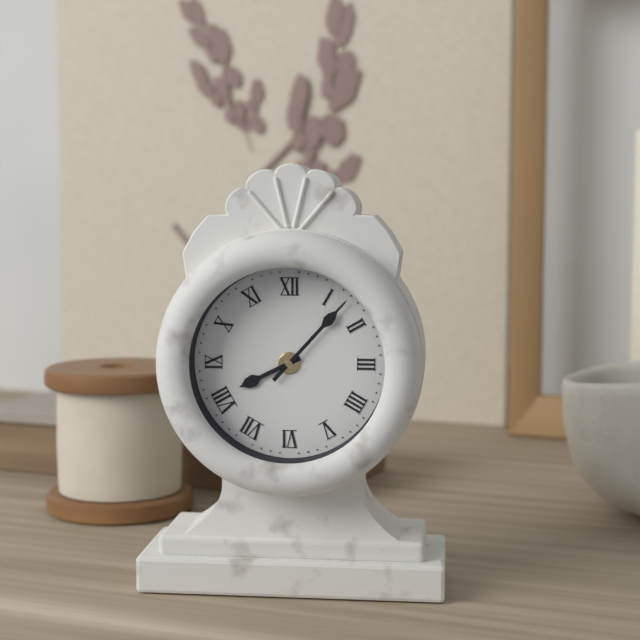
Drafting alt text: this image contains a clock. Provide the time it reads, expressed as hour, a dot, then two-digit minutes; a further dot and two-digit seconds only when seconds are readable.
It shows 8.07
